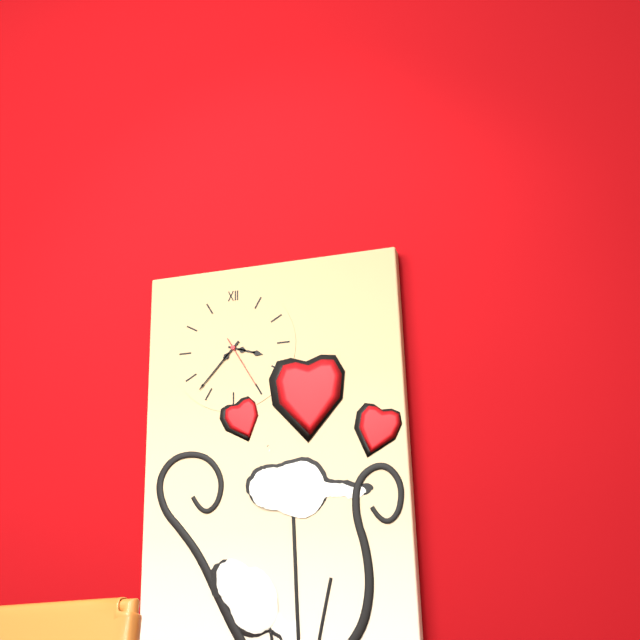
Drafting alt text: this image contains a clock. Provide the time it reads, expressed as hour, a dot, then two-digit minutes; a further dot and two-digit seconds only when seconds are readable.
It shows 3.37.25
